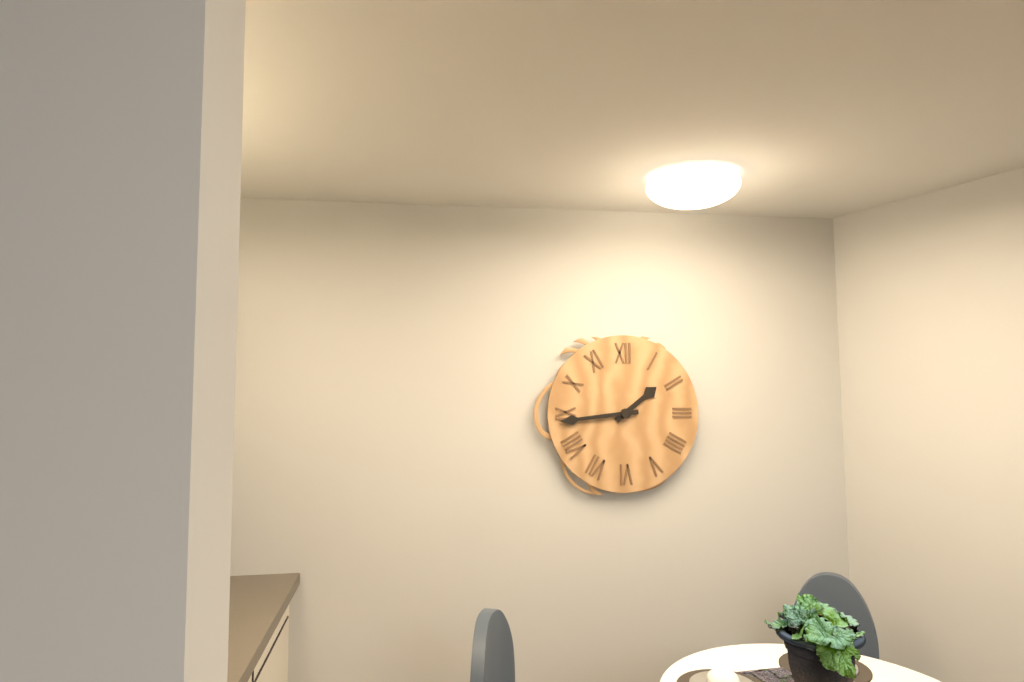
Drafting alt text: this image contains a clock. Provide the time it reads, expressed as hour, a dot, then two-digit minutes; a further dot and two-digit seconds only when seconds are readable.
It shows 1.44
